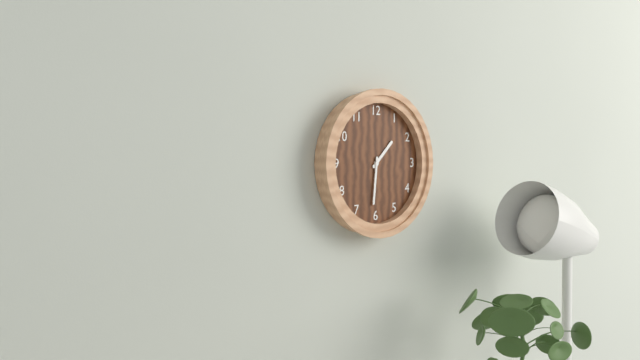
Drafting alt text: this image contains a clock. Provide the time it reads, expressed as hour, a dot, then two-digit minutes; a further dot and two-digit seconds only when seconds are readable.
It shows 1.31
